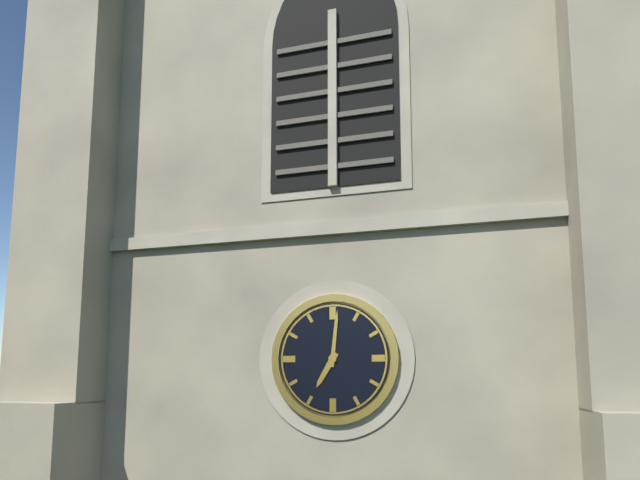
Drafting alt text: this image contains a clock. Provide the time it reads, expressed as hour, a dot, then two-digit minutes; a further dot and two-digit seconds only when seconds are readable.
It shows 7.01
